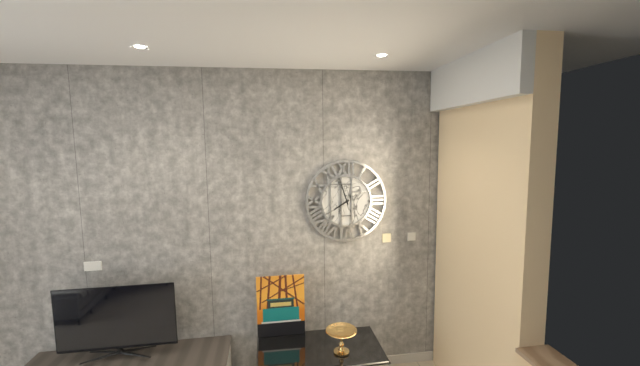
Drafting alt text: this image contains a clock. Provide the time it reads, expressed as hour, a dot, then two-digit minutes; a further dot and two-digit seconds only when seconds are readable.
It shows 7.57
